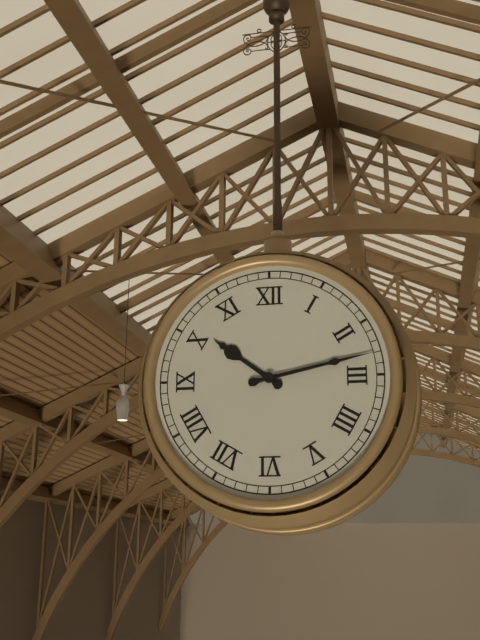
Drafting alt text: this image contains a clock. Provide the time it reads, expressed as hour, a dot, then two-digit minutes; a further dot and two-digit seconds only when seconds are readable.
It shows 10.13
